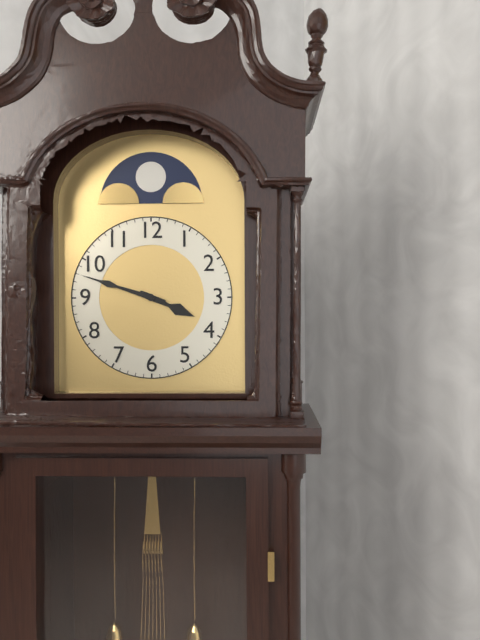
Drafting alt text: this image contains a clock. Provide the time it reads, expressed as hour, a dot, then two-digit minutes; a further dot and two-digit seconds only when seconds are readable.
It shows 3.48
